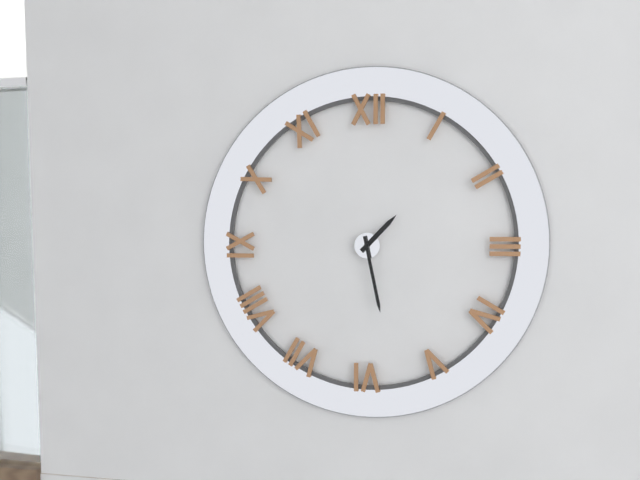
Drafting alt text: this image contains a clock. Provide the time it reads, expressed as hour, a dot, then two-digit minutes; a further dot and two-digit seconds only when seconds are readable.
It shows 1.28
